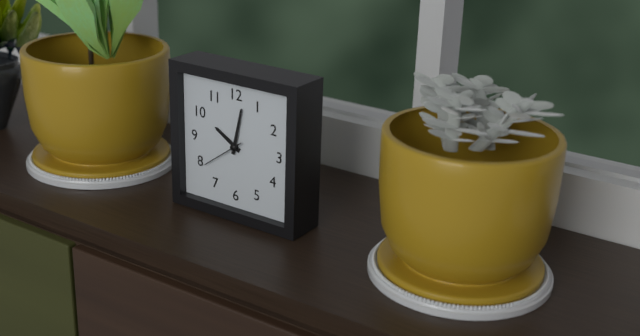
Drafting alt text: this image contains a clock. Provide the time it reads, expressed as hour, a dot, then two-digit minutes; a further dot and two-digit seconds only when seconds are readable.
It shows 10.02
